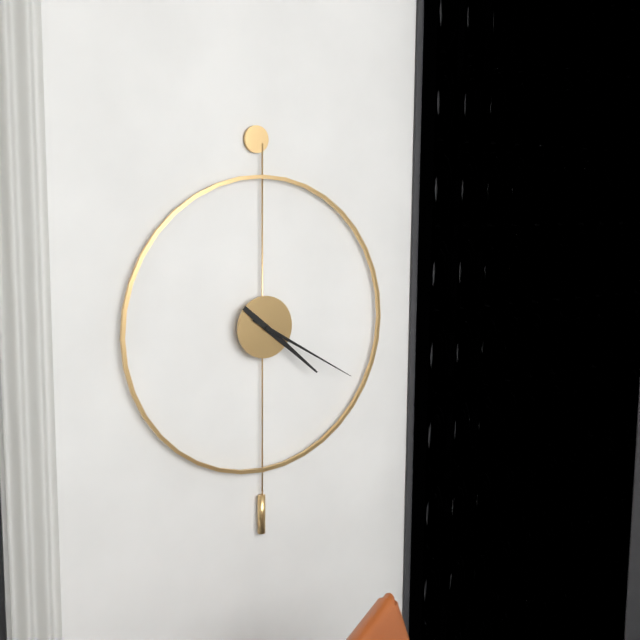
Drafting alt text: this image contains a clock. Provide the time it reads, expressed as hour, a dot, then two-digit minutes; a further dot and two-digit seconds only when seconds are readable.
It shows 4.20
